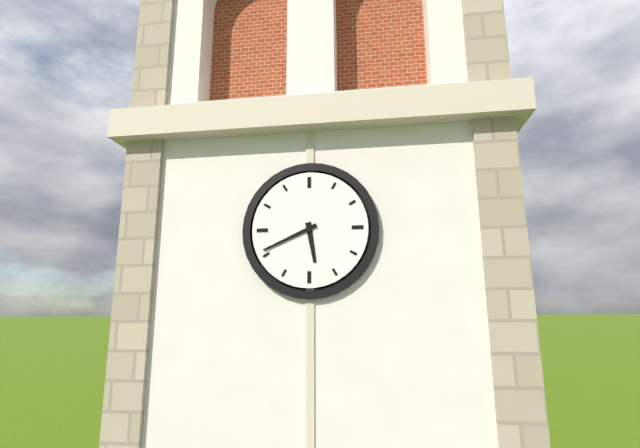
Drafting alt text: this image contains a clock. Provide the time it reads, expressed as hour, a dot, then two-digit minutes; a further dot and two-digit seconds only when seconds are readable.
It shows 5.41
